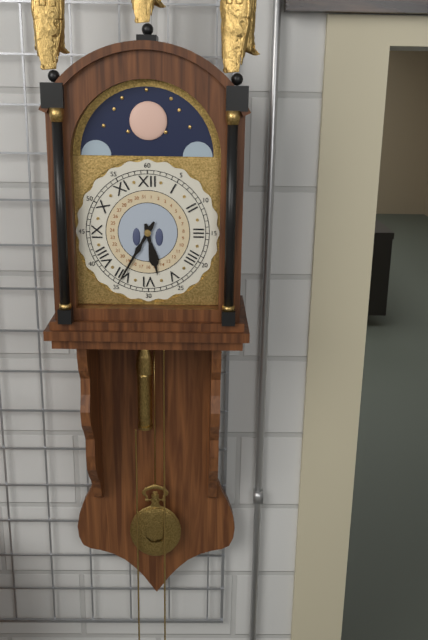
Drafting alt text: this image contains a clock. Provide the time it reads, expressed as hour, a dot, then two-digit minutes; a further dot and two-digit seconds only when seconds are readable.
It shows 5.35
